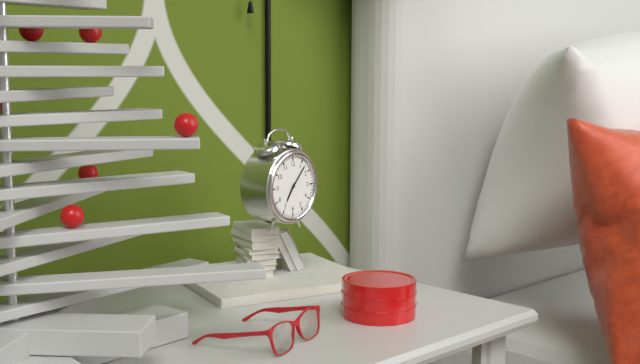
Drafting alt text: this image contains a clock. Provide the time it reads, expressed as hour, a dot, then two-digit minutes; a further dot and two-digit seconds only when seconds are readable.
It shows 7.07
